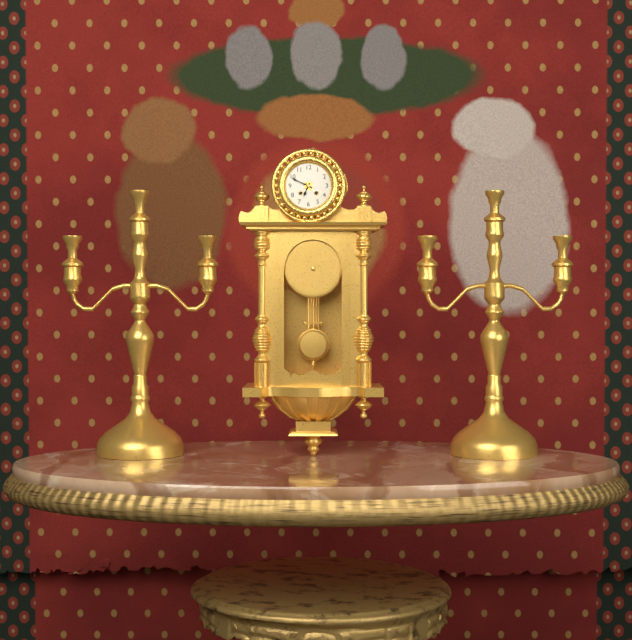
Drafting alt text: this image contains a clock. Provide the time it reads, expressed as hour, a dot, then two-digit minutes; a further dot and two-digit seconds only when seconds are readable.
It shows 6.49
